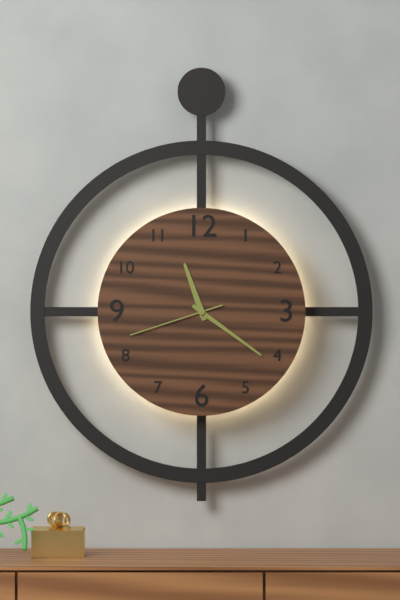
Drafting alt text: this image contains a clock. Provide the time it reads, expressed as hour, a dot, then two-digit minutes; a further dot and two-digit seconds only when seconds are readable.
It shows 11.21.42
